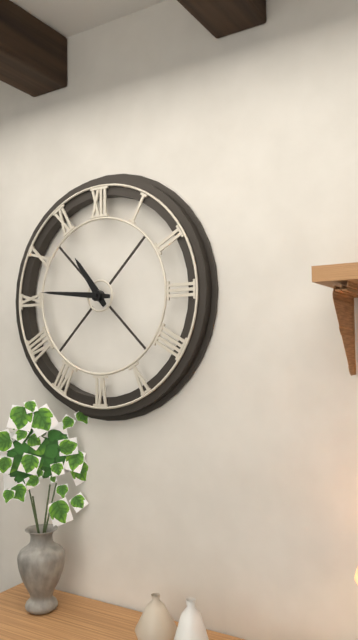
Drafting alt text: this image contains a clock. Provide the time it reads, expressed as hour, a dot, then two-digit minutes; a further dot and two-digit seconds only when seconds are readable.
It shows 10.46
